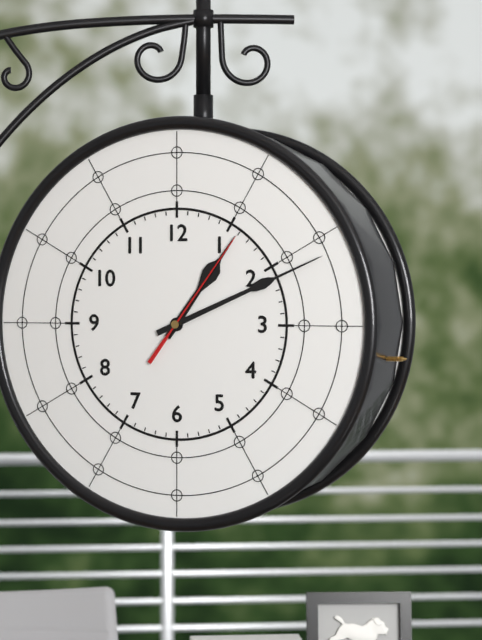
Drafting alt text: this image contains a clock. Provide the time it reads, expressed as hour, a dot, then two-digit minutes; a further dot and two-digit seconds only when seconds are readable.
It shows 1.11.06
